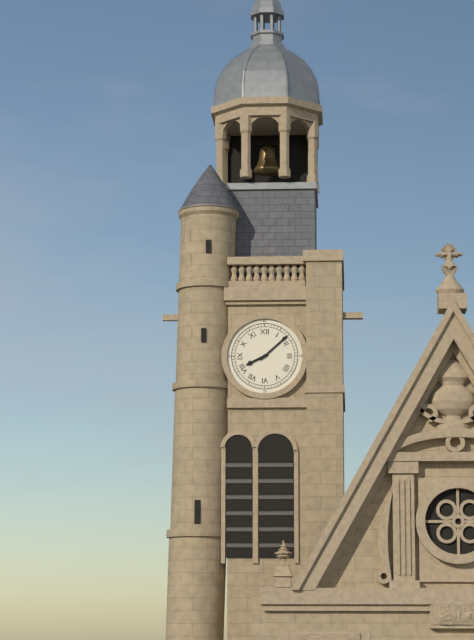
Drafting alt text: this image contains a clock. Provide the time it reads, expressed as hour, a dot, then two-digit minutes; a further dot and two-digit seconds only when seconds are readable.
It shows 8.08
